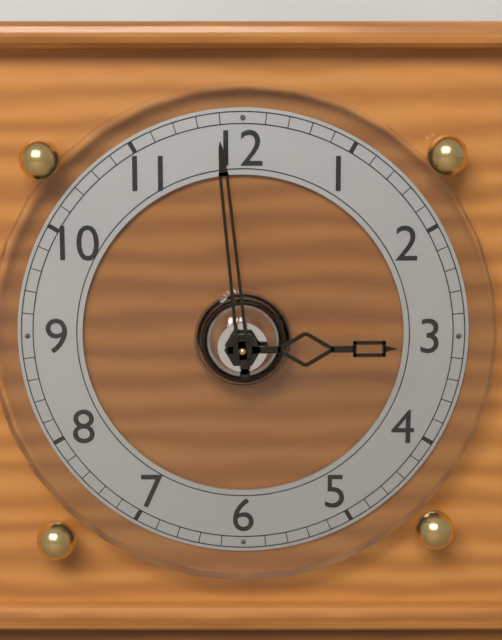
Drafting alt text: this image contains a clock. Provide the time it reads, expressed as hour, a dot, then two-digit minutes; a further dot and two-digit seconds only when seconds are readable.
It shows 2.59
